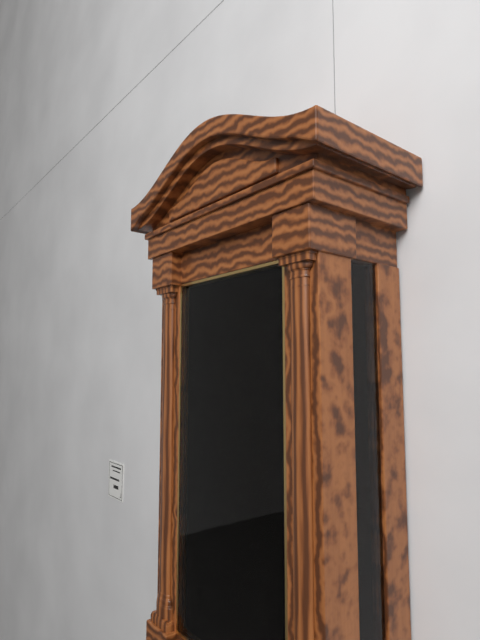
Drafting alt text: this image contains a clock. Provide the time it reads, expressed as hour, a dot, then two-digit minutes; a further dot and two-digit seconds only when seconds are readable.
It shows 3.35
